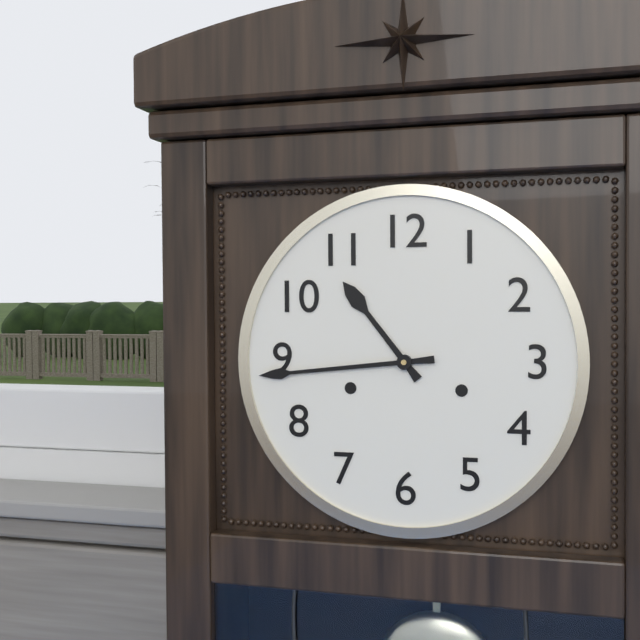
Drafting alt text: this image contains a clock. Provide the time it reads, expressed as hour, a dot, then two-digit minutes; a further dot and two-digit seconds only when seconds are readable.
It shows 10.44
